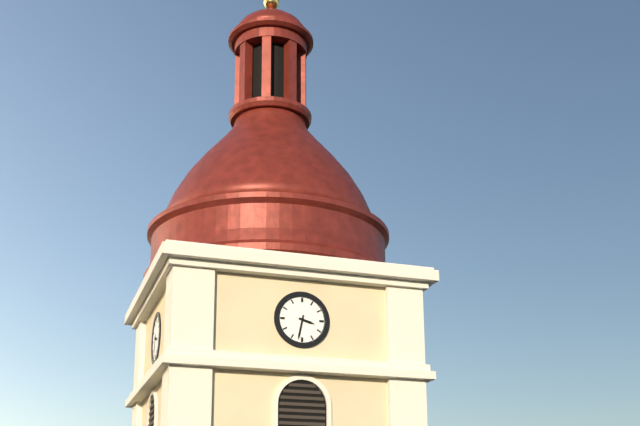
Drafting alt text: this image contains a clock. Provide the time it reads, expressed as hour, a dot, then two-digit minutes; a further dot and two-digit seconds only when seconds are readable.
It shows 3.32
